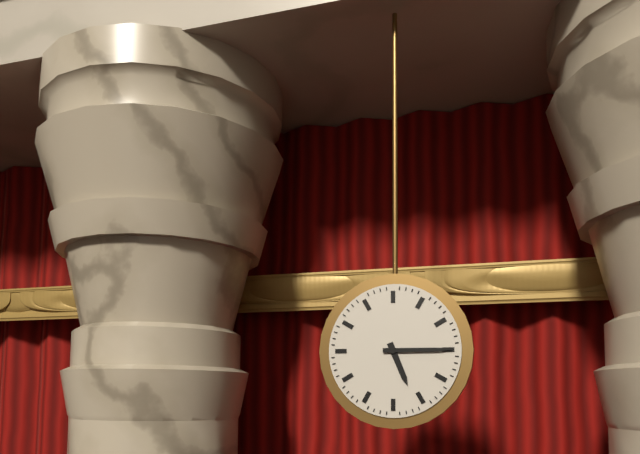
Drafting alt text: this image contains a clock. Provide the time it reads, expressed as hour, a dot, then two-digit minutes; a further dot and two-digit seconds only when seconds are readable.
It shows 5.15
